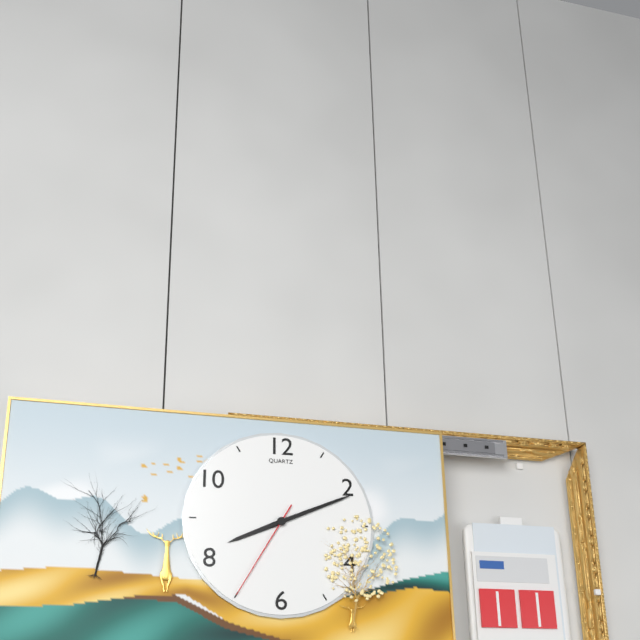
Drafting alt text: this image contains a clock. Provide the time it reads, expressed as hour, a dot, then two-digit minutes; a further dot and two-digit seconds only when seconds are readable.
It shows 8.11.35
